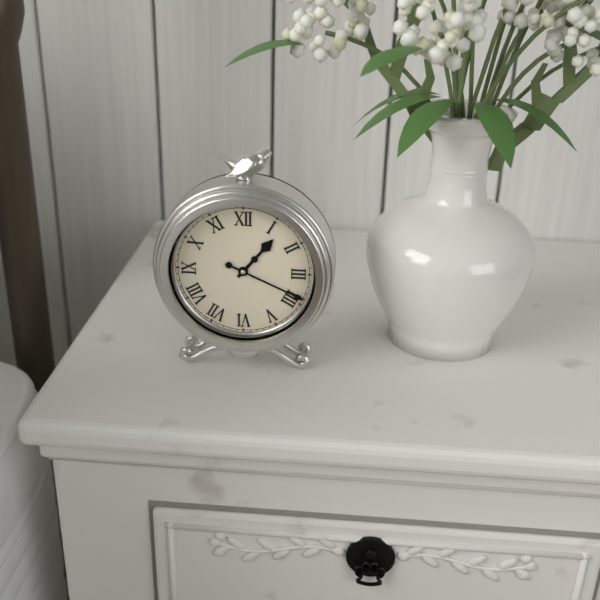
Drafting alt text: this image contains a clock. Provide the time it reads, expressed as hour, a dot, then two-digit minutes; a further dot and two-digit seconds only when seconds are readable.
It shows 1.19
